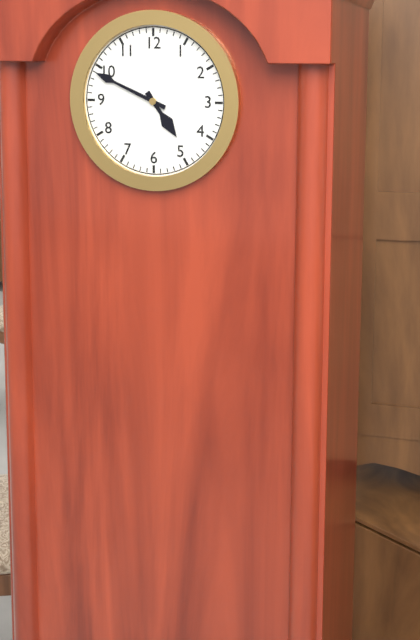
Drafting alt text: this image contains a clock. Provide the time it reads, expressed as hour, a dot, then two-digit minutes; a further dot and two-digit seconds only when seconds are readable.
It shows 4.49
